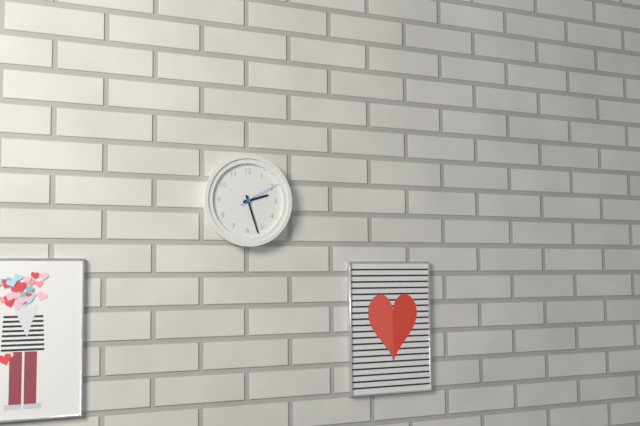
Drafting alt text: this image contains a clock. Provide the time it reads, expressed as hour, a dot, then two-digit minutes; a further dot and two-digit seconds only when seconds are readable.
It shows 2.27
